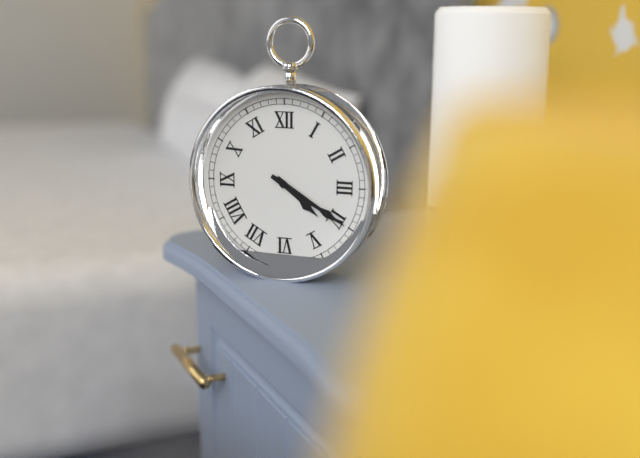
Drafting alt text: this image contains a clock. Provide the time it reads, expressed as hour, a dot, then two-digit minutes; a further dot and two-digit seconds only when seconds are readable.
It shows 4.20
